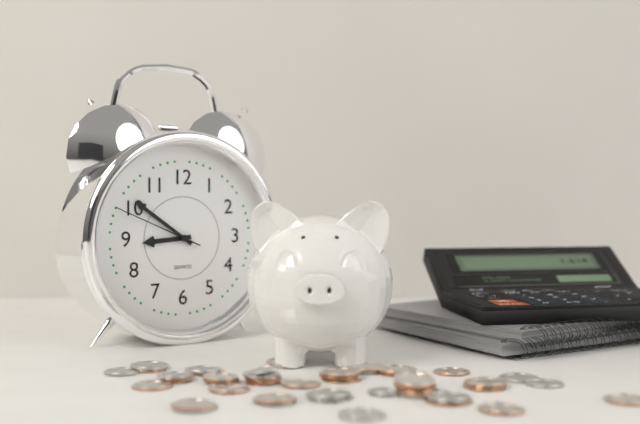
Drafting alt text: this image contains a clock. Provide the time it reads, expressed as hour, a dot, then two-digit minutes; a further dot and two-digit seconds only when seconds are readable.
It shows 8.51.49
